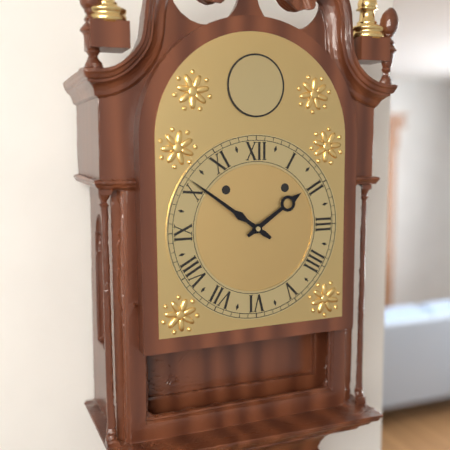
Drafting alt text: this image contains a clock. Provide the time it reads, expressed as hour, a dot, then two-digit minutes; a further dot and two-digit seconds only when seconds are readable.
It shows 1.51
